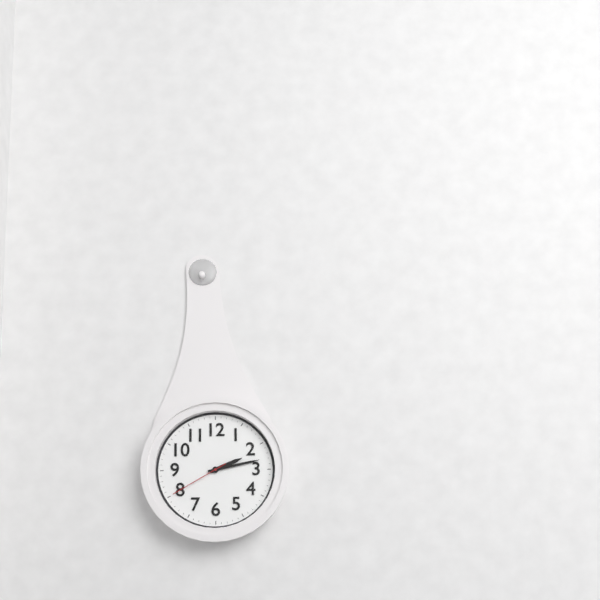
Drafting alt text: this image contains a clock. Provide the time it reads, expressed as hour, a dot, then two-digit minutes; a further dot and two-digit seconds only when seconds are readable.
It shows 2.13.40
